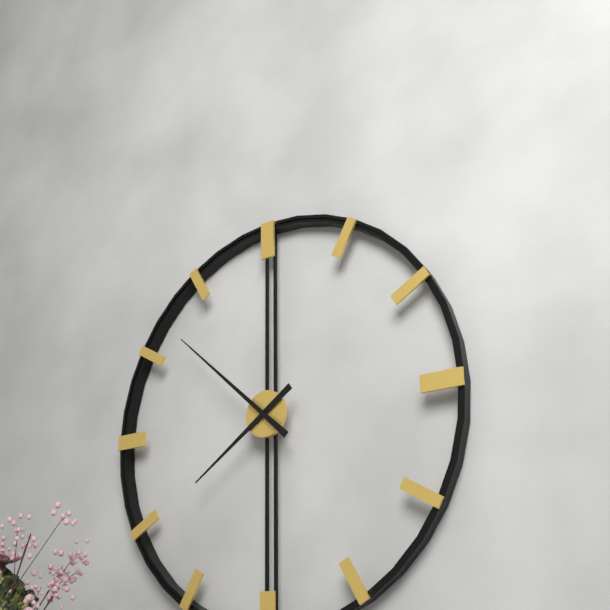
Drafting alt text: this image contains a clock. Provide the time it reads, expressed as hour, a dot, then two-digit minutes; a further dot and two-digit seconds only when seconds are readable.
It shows 7.52
